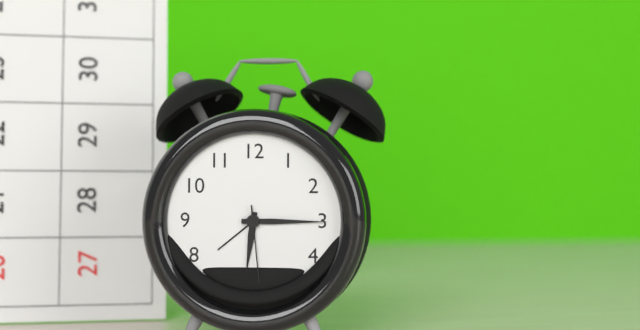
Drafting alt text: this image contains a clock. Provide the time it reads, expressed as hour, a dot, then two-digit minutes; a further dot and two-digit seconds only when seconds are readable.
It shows 6.15.29
